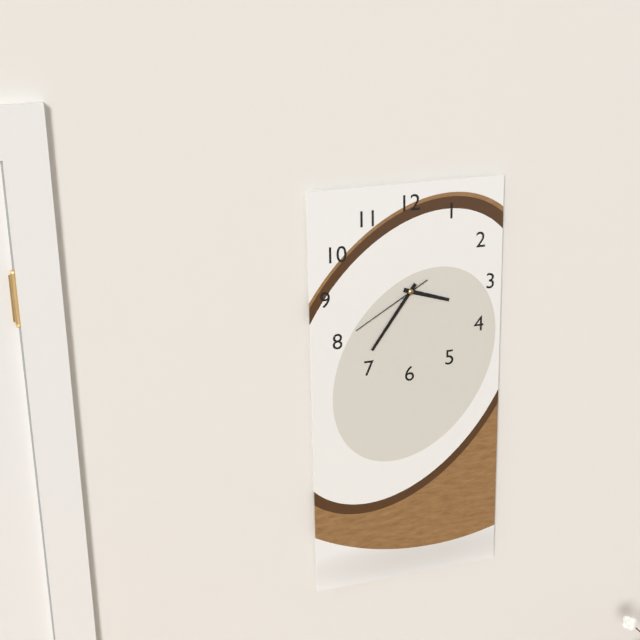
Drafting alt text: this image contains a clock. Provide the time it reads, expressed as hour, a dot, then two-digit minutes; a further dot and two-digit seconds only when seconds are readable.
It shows 3.36.40
